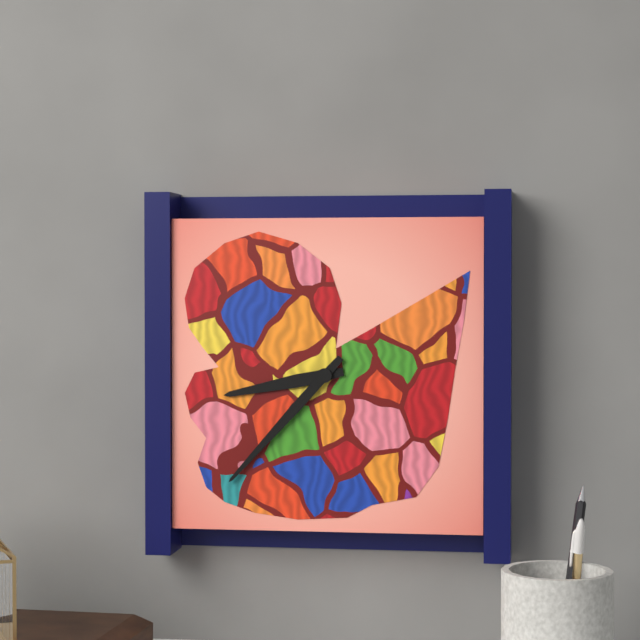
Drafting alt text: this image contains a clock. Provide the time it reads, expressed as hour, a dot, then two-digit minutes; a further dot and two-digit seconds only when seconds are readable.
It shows 8.37
